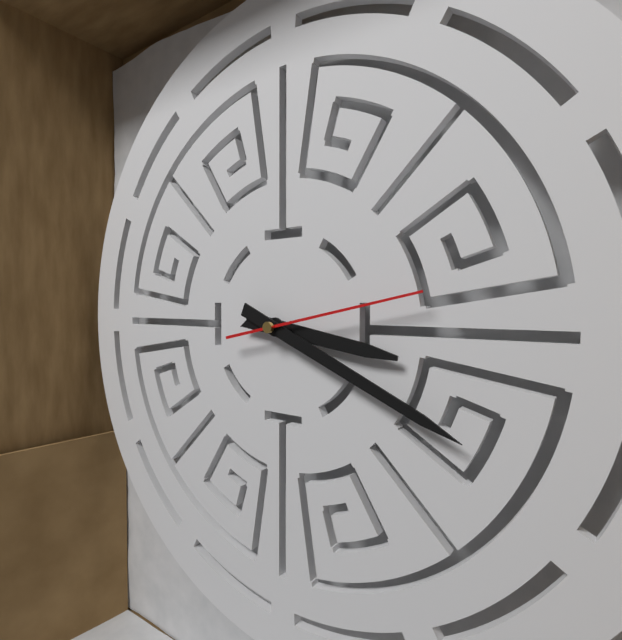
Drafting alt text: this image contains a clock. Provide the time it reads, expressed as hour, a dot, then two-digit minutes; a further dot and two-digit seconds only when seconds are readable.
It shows 3.19.13
